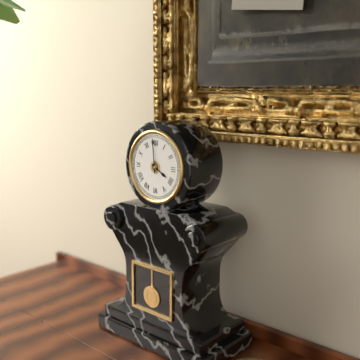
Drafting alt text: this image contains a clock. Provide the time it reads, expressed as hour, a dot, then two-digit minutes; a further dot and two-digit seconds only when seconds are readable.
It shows 3.59
